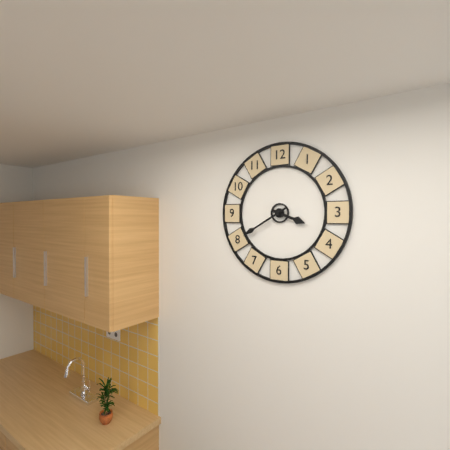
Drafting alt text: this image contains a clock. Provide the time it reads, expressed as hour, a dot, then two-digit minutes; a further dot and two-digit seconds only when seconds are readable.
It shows 3.40
